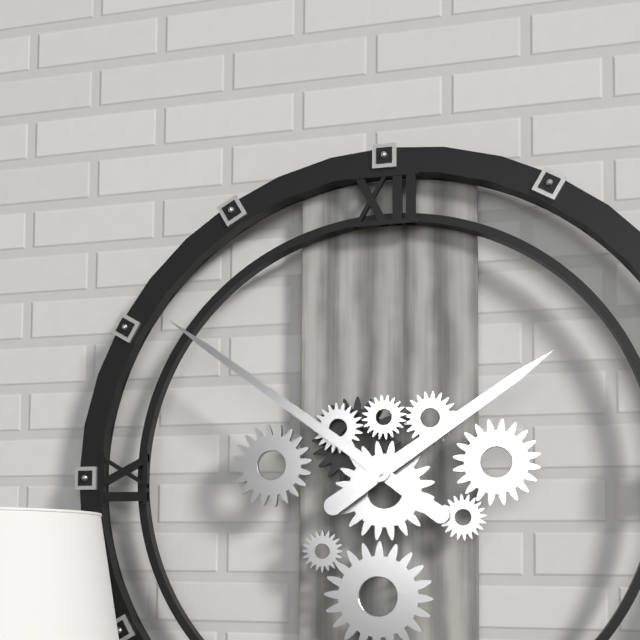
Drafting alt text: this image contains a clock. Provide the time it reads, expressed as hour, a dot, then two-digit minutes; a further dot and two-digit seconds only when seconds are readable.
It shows 1.51
